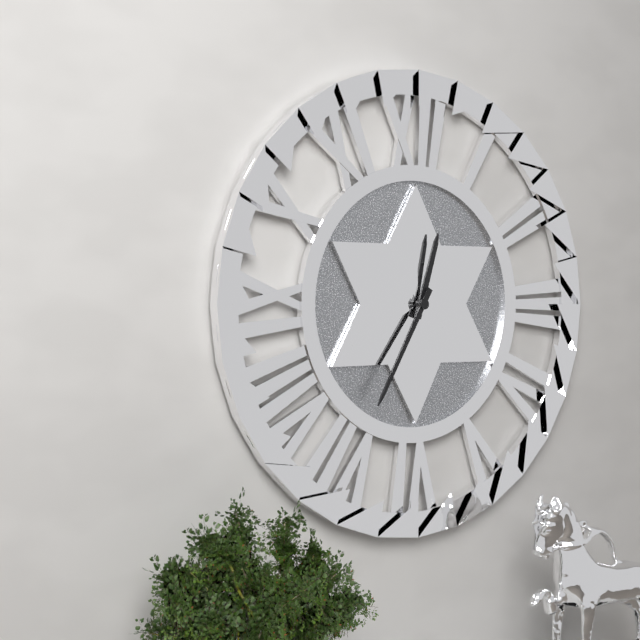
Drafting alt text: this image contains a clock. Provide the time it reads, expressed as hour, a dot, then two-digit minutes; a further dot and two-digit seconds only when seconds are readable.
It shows 12.35
